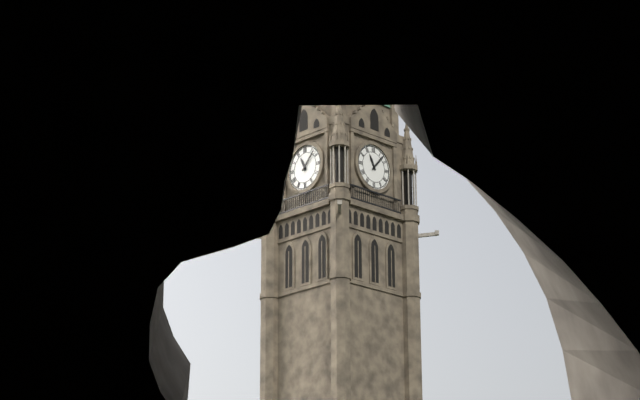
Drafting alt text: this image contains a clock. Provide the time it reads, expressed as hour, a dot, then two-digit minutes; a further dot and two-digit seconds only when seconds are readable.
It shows 11.07
